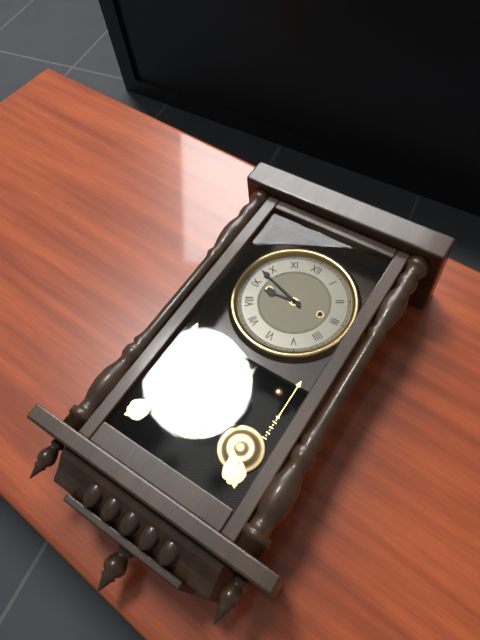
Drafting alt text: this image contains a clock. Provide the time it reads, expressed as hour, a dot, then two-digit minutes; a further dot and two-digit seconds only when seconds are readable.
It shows 8.48
